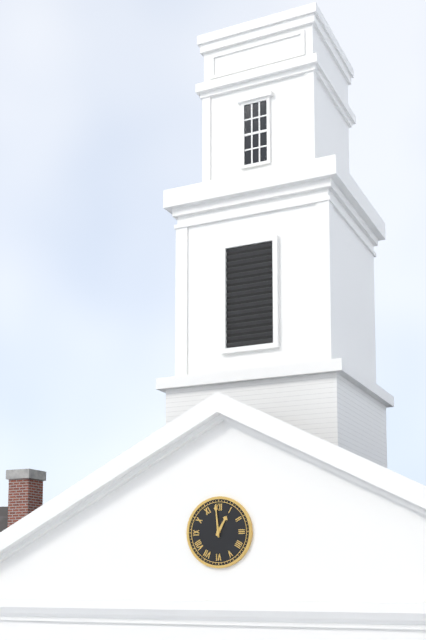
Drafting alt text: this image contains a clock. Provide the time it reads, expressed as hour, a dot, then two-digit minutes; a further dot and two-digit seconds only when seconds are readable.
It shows 12.59
